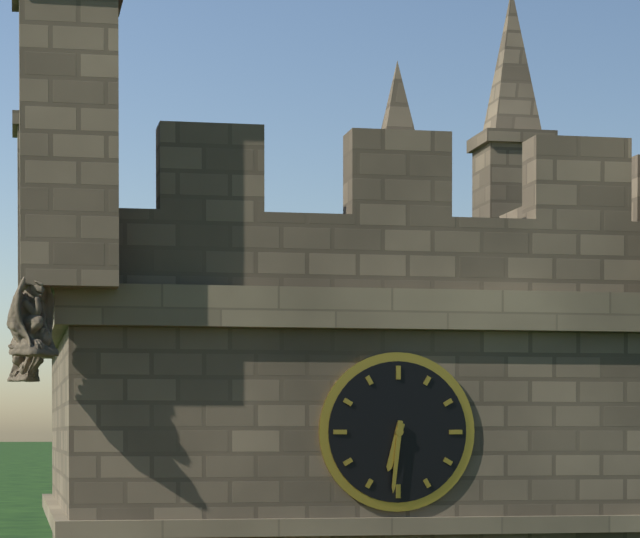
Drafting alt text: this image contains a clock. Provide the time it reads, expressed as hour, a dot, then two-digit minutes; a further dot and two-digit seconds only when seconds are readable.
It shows 6.31
